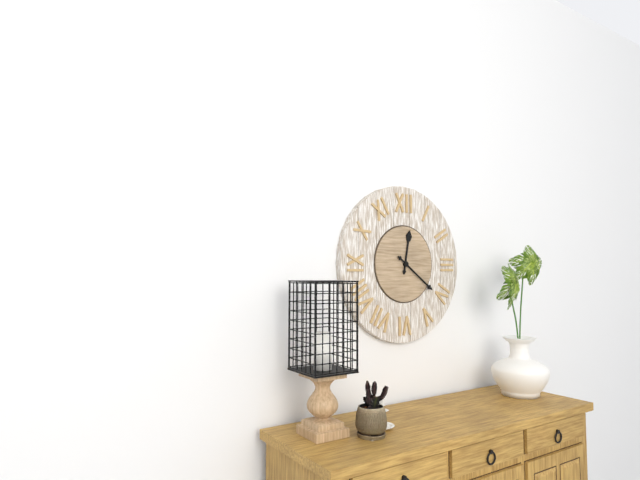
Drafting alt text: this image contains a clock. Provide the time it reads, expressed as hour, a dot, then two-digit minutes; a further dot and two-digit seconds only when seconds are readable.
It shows 12.21
